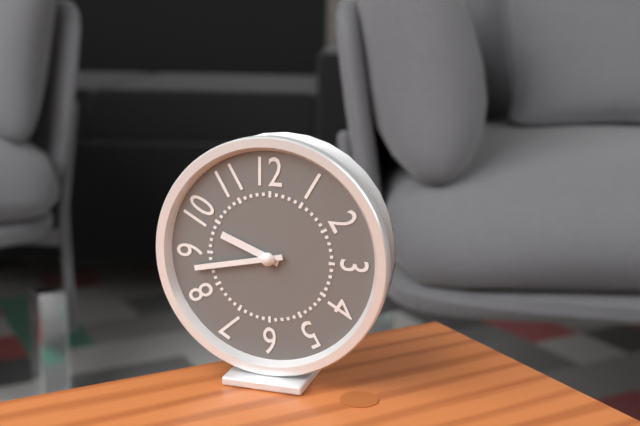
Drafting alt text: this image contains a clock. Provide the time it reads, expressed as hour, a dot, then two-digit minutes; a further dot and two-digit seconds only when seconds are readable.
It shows 9.43
